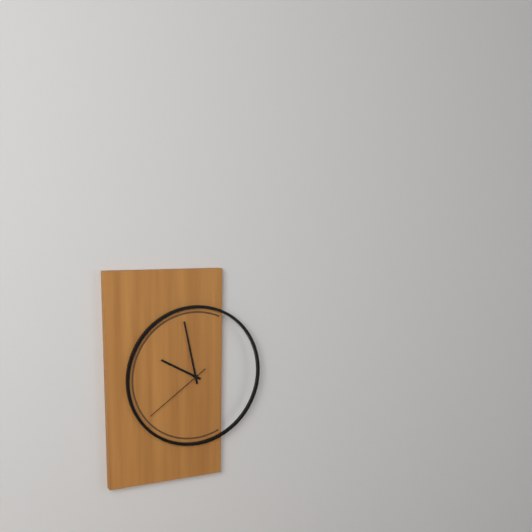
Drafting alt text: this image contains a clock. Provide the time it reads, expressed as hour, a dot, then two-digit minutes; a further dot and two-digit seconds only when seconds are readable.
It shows 9.58.39
